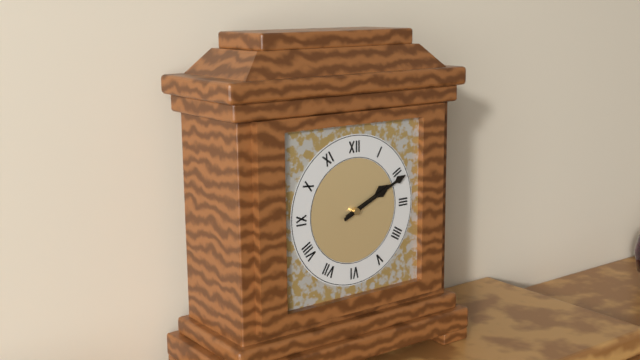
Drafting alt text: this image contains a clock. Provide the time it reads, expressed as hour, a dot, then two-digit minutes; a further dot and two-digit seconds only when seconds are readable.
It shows 2.11
